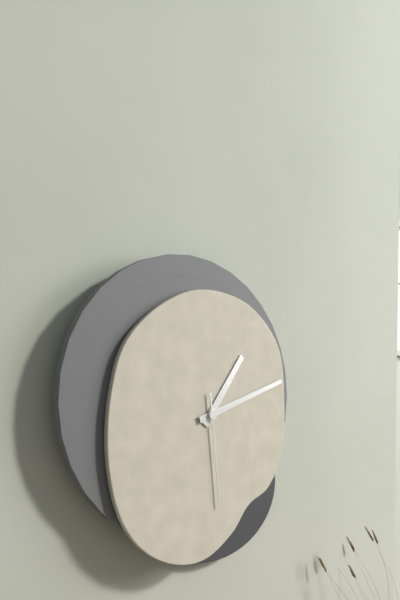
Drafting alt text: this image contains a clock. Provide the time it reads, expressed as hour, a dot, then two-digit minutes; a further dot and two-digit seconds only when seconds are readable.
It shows 1.12.29
